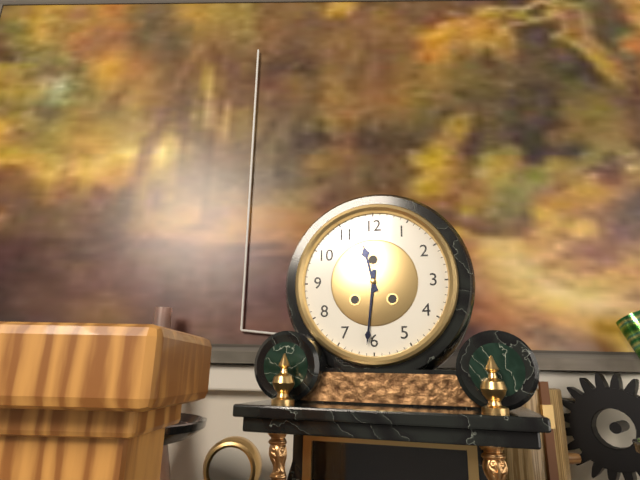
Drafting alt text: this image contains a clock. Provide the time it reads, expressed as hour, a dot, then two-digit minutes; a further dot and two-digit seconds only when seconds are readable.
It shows 11.31
